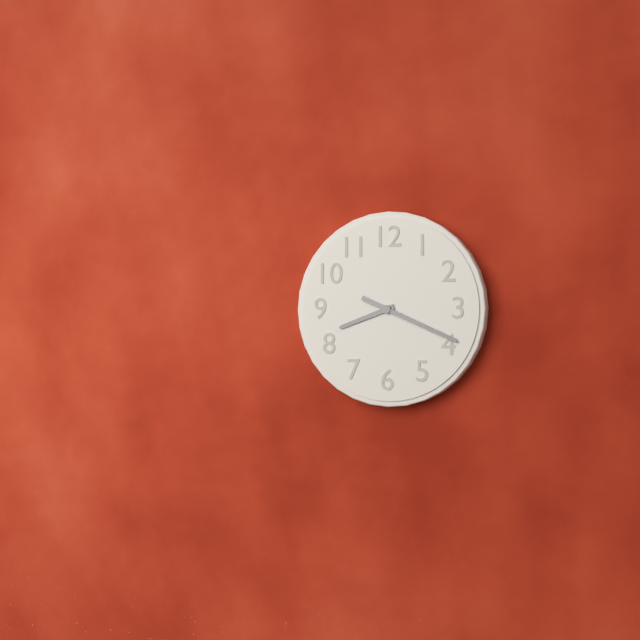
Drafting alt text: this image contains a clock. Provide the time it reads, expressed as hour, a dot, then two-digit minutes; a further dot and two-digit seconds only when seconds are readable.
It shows 8.19
